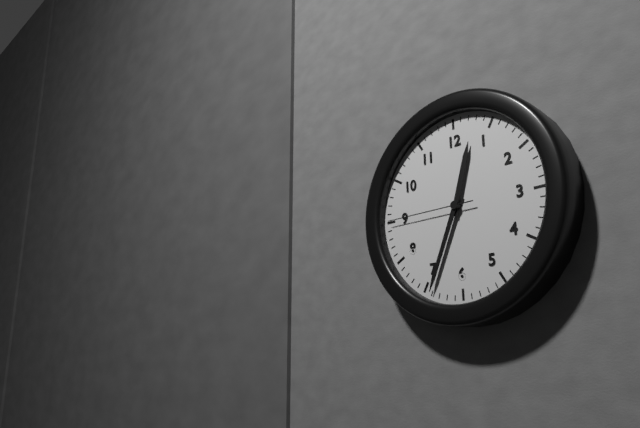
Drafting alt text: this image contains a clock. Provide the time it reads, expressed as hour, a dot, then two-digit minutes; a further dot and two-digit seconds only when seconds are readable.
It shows 12.34.45
